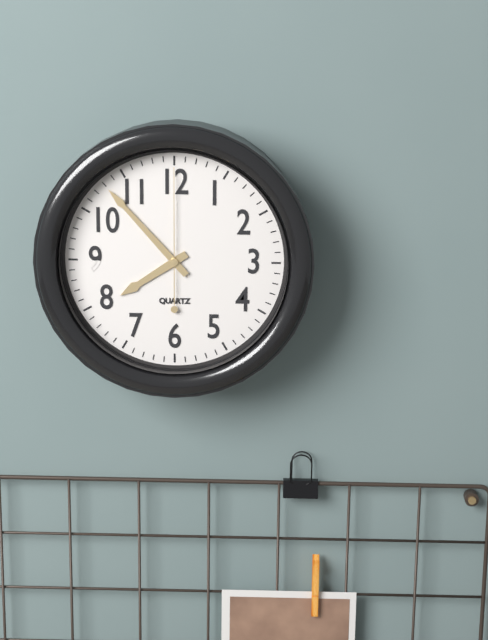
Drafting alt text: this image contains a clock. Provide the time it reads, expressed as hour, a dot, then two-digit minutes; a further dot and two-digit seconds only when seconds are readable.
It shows 7.53.00
